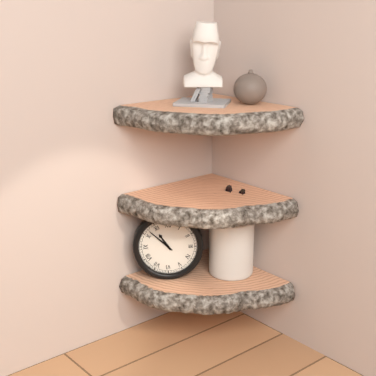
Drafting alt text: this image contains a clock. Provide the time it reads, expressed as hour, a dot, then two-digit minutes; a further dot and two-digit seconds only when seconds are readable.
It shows 10.52
